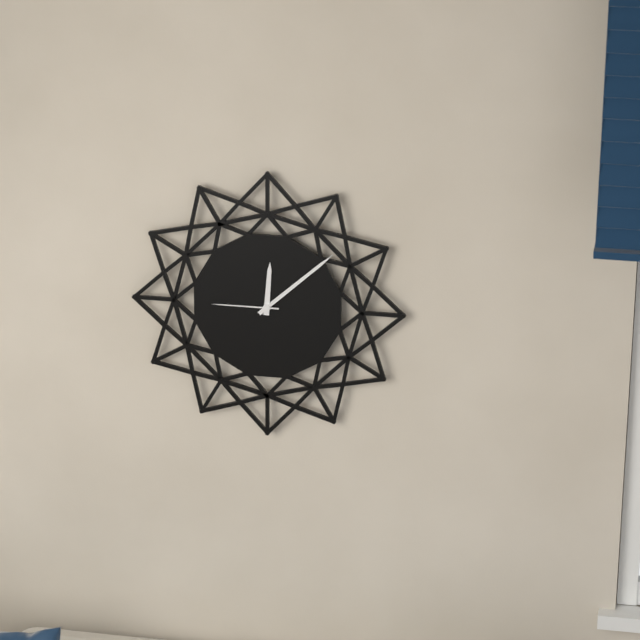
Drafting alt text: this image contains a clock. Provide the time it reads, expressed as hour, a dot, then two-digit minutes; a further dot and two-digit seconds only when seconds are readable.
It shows 12.08.45
